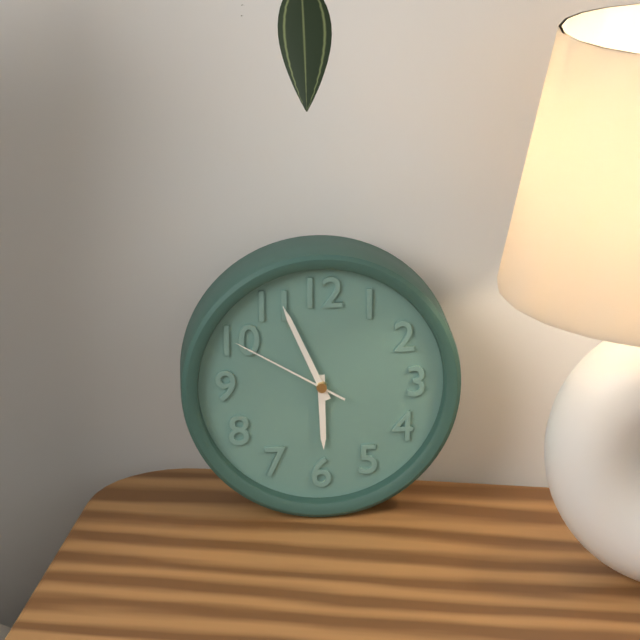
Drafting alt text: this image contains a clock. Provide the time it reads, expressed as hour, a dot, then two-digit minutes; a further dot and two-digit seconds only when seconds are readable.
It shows 5.56.50
